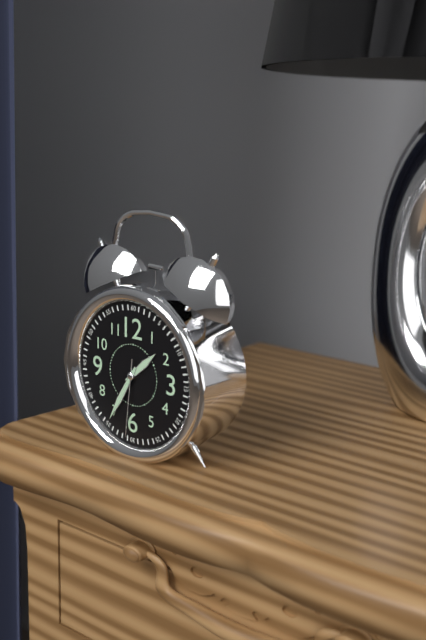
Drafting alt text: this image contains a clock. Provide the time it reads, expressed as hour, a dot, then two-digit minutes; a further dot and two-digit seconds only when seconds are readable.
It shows 1.35.31
